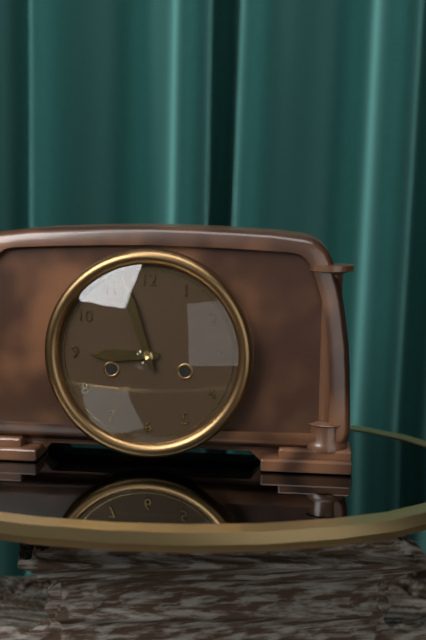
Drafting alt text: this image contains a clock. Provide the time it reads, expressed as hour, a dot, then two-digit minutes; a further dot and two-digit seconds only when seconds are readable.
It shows 8.57
